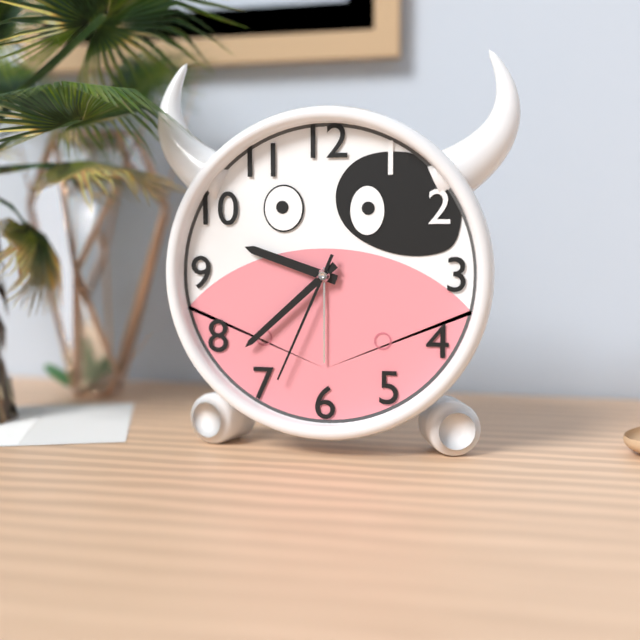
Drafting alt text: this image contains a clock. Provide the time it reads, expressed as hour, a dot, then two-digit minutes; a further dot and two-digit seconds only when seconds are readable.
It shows 9.38.34
